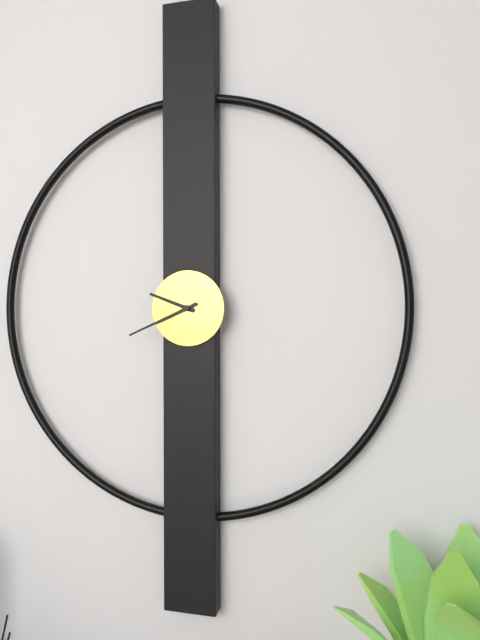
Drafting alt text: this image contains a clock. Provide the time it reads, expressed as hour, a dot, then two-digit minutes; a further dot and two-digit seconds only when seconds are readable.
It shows 9.41
